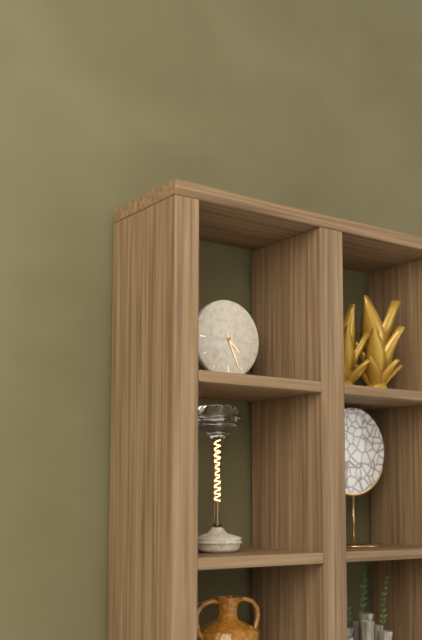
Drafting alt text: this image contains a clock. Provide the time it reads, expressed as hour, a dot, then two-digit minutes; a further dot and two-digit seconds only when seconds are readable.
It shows 4.26
